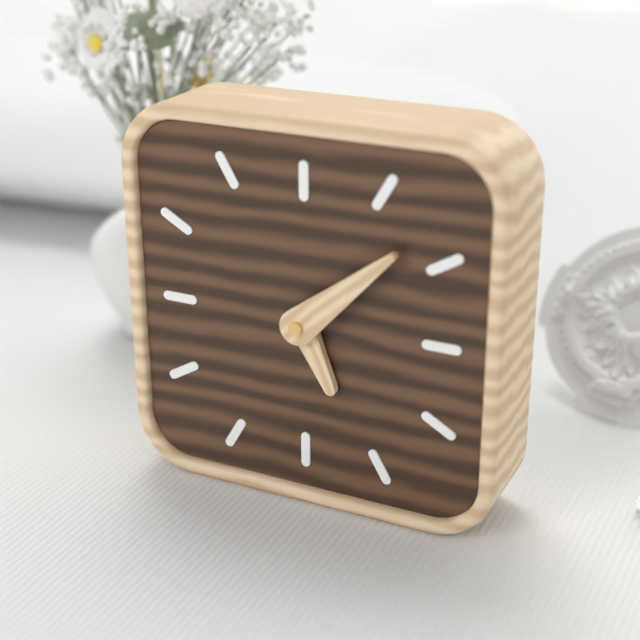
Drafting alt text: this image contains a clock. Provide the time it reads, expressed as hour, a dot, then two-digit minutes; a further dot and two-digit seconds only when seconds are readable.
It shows 5.08
